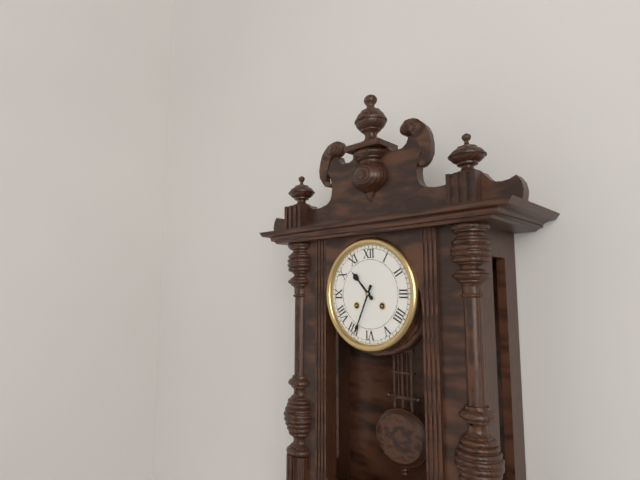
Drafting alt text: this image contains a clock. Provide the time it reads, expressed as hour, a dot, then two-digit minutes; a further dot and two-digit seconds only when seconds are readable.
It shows 10.34
